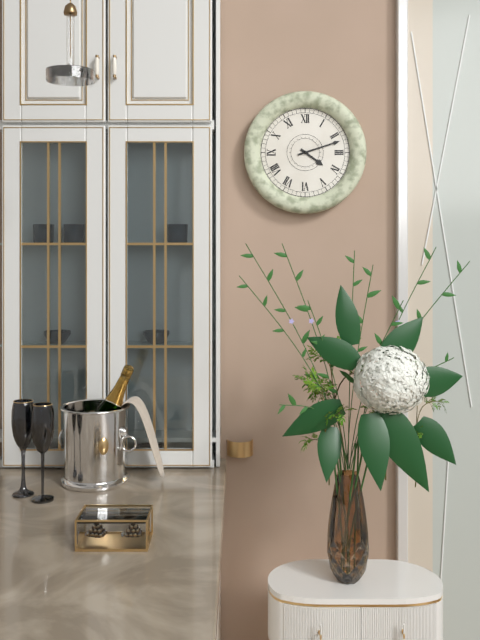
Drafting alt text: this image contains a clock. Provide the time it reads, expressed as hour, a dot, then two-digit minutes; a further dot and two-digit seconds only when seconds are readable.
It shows 4.12
